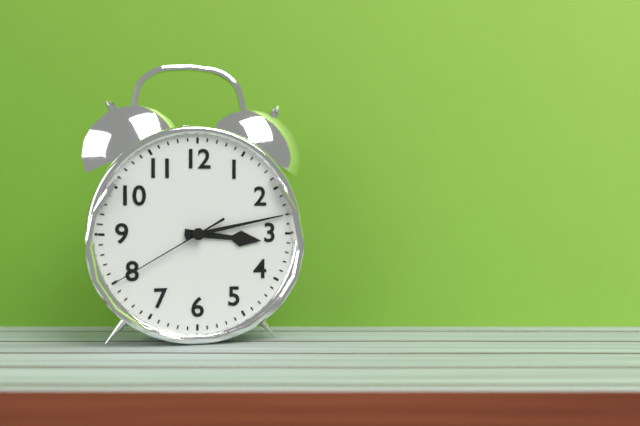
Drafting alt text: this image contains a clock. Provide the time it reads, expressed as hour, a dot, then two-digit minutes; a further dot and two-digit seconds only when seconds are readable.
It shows 3.13.40
